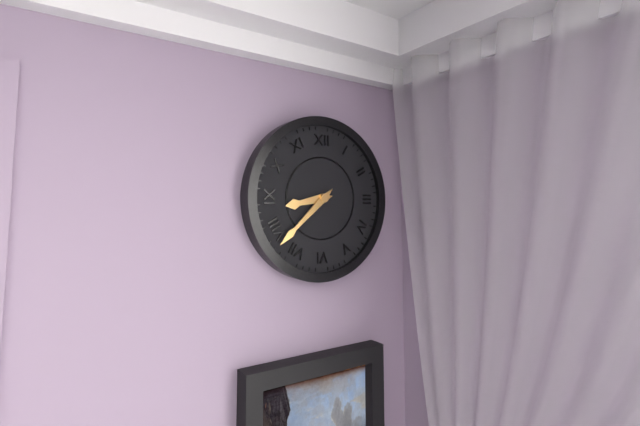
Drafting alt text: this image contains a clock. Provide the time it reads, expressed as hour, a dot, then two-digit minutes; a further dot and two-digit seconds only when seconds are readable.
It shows 8.38
